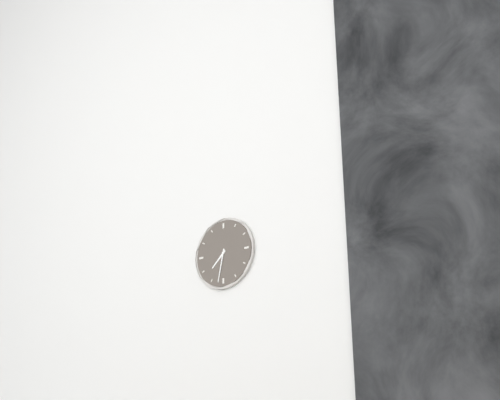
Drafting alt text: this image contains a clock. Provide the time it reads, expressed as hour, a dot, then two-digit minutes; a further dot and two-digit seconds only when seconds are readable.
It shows 7.32
